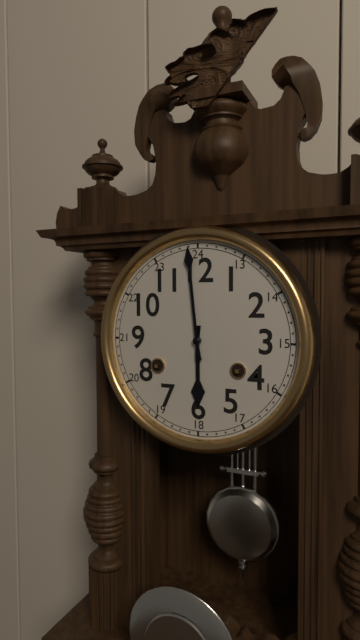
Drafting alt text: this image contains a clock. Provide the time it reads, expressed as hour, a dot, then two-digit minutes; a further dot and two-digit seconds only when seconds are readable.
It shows 5.59
